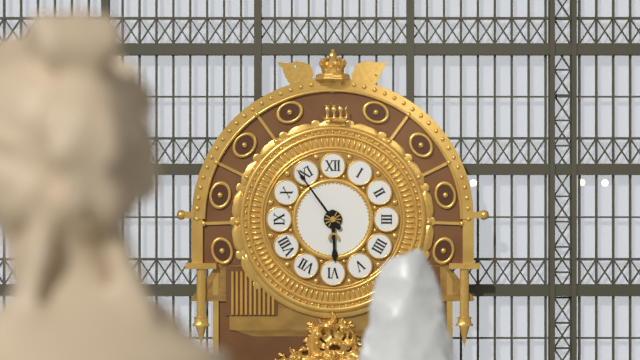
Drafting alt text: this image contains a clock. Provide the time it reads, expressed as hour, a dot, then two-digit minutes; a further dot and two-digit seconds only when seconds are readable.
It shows 5.54
